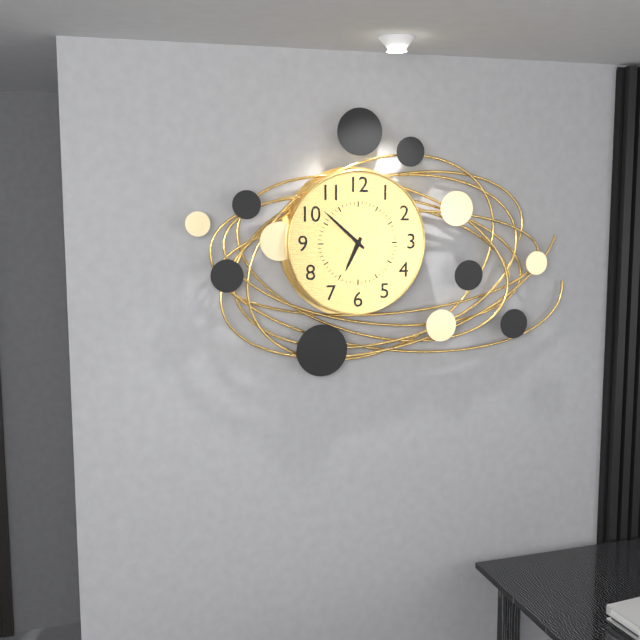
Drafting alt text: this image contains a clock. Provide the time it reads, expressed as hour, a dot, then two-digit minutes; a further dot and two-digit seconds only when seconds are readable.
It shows 6.52
